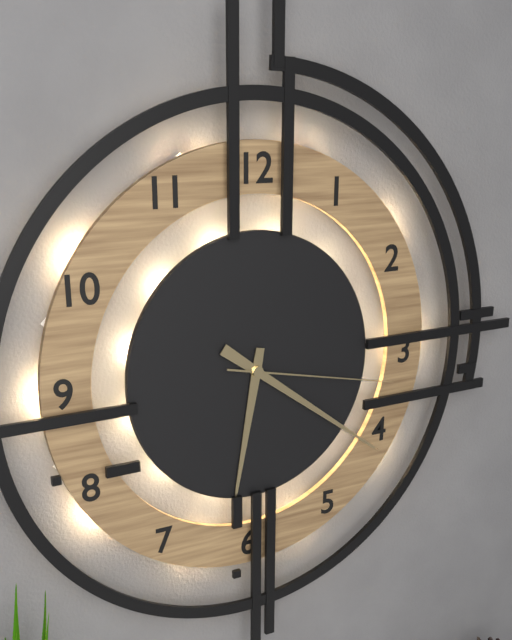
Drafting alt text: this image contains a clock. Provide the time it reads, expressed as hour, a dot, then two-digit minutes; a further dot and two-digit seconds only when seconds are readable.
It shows 6.21.17
